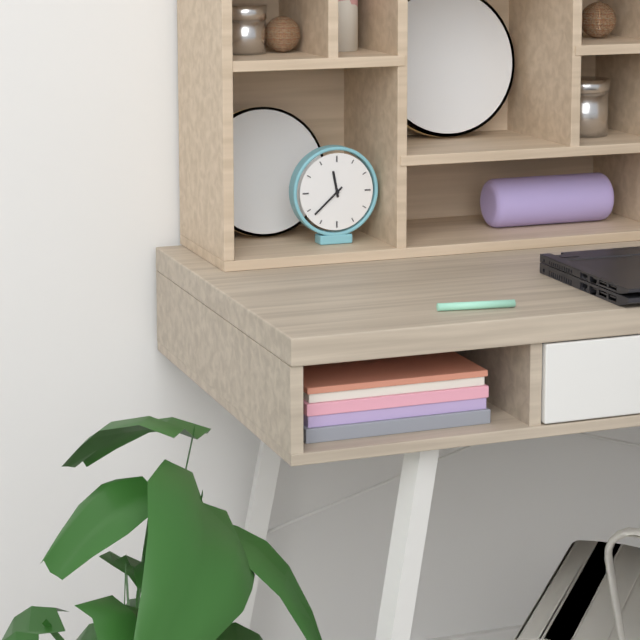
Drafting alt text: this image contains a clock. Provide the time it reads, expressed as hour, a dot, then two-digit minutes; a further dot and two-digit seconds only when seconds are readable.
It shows 11.38
